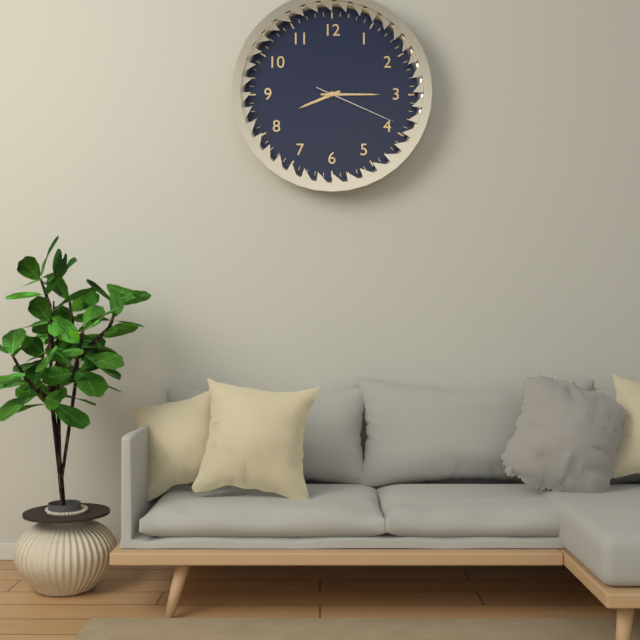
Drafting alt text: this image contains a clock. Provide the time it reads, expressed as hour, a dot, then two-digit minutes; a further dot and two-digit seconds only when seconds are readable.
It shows 8.15.19
